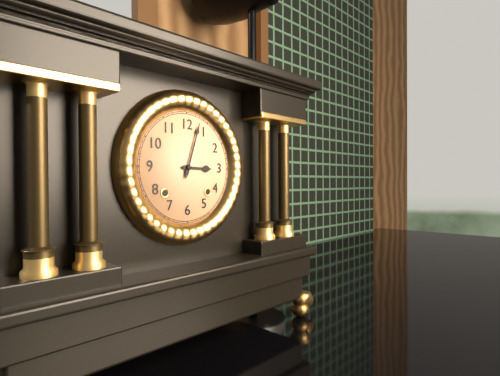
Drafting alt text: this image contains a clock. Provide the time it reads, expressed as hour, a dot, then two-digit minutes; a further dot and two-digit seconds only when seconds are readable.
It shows 3.03
